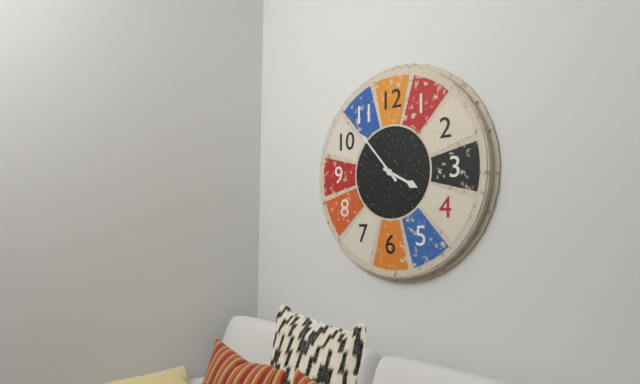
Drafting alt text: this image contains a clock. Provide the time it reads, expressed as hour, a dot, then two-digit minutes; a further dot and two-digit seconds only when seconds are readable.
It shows 3.53
